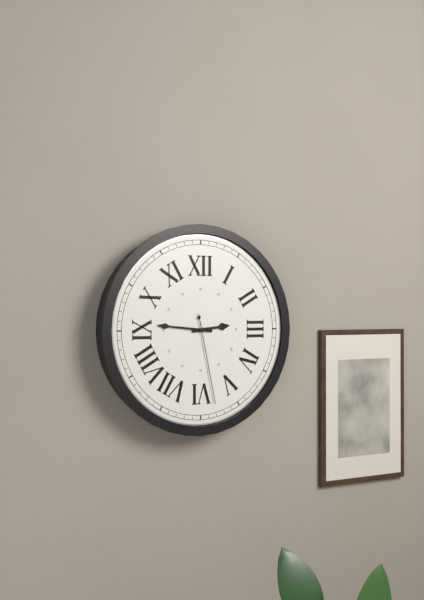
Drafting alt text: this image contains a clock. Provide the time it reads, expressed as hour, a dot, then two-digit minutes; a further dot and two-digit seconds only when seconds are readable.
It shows 2.46.28
